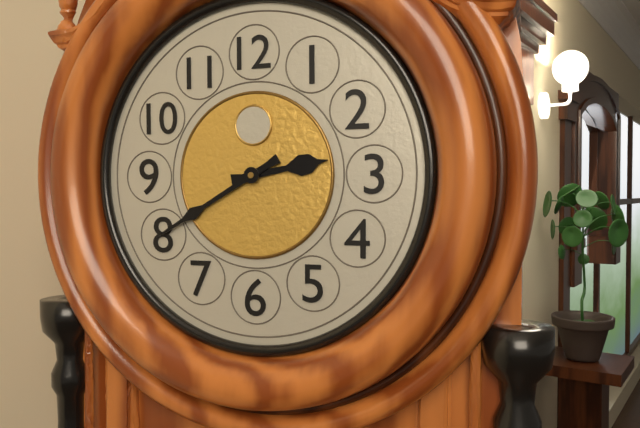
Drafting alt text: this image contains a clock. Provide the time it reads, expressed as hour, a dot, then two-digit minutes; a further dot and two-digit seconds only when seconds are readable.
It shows 2.40
